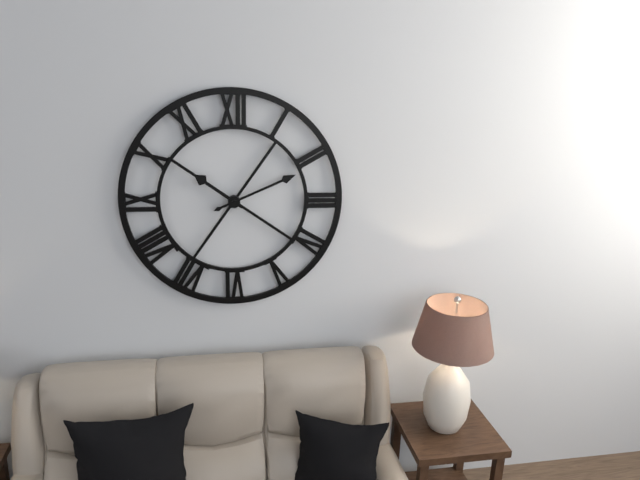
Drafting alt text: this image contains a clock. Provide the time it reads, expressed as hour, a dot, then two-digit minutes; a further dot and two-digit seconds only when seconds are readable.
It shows 10.11
